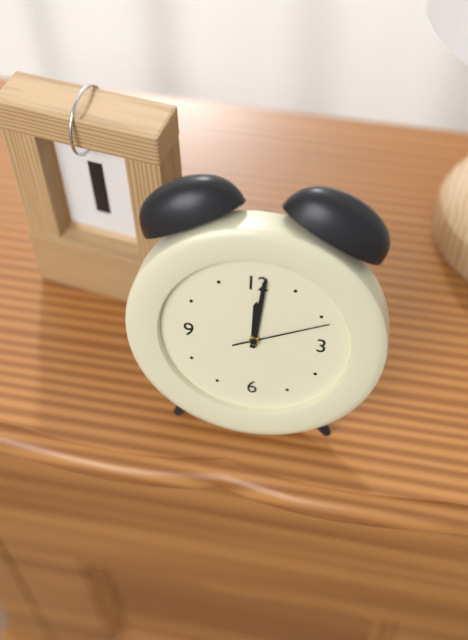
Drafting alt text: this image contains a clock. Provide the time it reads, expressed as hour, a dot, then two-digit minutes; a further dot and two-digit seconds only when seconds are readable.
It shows 12.01.11
